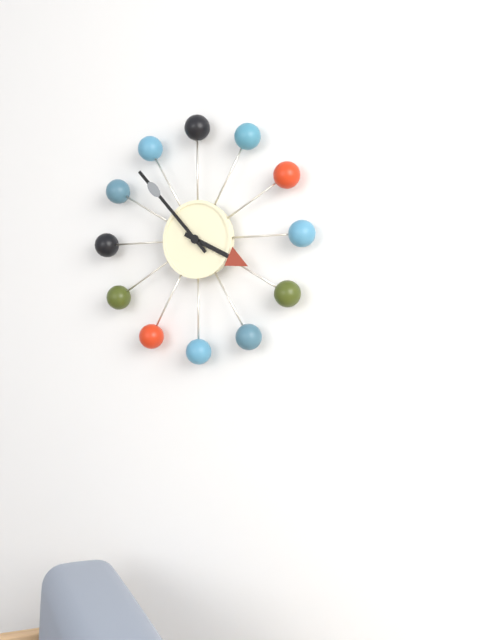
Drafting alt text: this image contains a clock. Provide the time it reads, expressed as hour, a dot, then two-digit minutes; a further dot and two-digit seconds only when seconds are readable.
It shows 3.53
